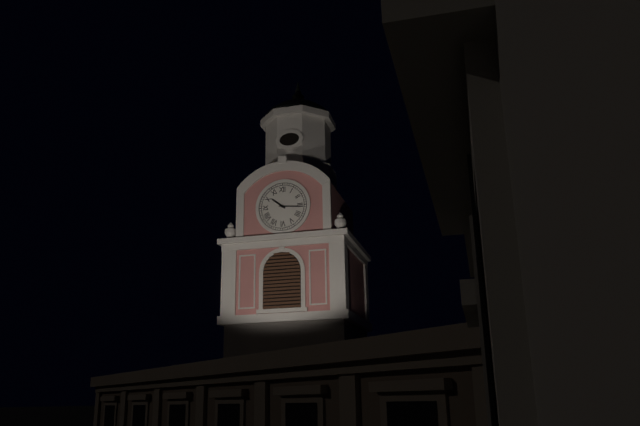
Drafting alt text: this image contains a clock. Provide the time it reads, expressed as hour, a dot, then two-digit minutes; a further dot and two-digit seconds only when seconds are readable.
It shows 10.16
